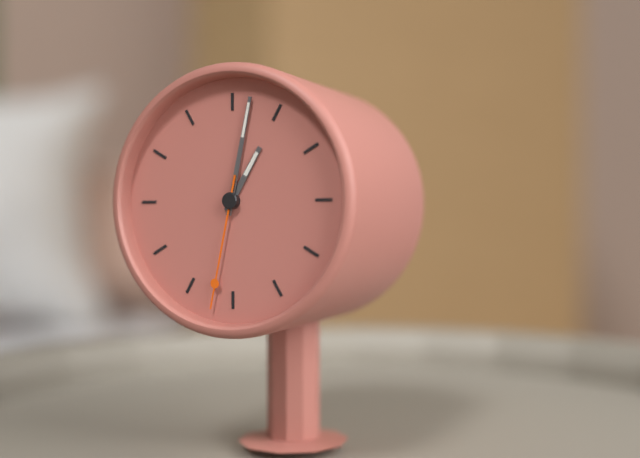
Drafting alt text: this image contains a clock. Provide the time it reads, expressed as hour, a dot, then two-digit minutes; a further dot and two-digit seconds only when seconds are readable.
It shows 1.02.32
